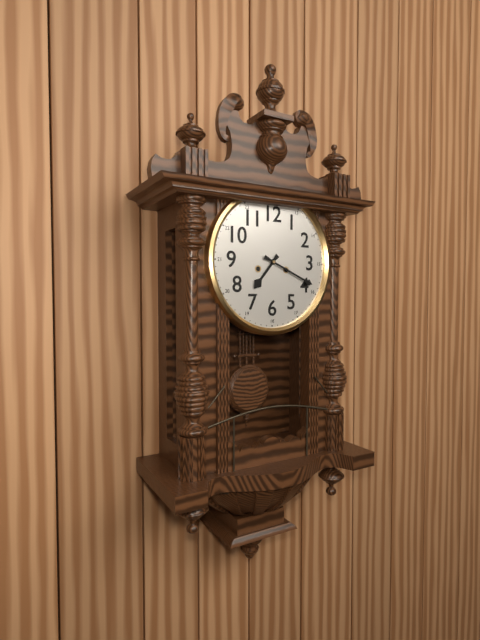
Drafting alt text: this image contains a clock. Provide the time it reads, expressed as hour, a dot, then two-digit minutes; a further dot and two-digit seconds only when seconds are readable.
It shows 7.19
